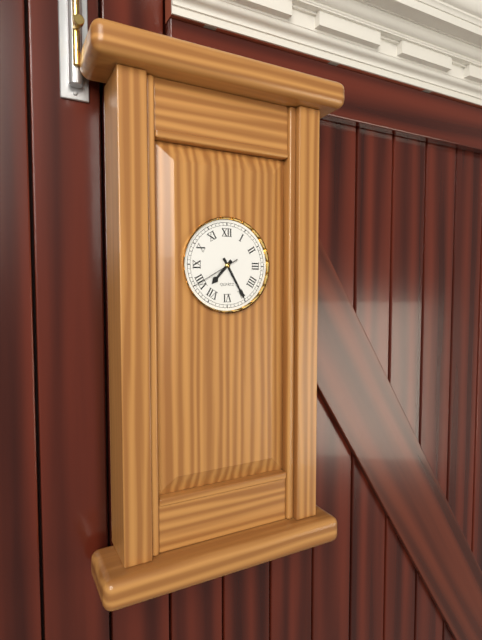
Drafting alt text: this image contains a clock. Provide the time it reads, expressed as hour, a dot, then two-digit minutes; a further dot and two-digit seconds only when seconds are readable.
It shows 7.25
